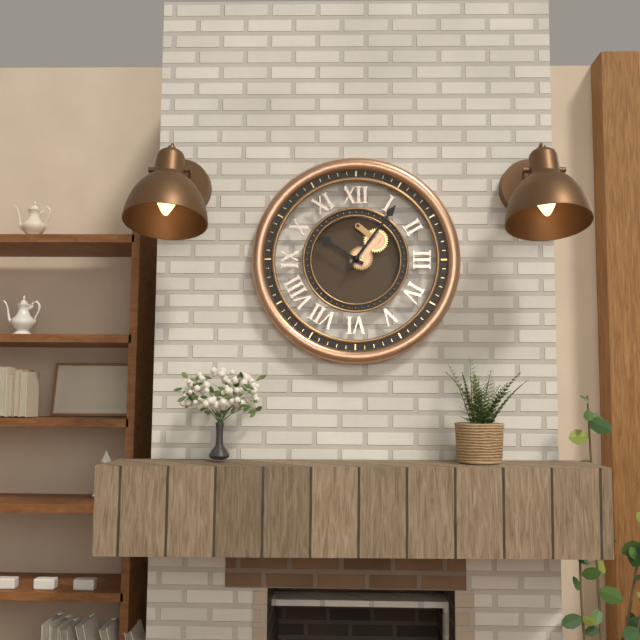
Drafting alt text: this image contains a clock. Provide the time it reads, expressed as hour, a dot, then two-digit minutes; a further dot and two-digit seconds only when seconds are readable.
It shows 10.06
